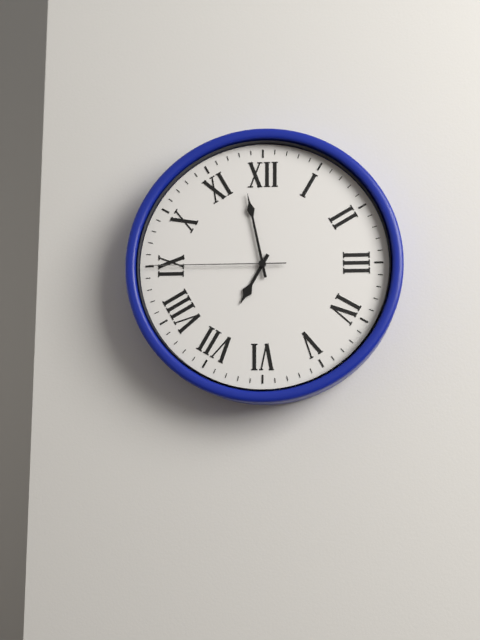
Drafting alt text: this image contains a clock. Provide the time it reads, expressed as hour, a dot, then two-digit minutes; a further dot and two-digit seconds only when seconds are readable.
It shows 6.58.45
